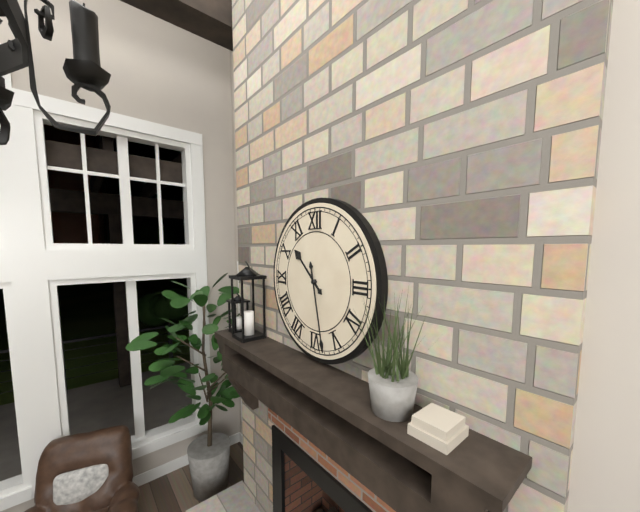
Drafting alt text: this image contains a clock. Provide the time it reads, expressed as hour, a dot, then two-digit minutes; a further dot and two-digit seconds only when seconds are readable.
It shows 10.28
